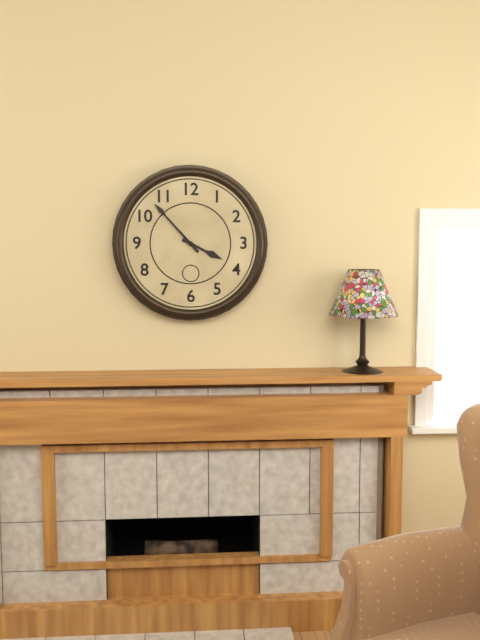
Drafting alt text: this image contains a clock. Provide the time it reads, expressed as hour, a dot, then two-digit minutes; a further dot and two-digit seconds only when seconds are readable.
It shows 3.53
